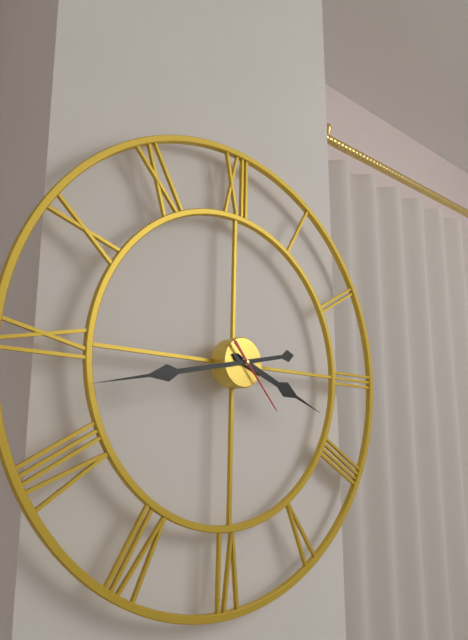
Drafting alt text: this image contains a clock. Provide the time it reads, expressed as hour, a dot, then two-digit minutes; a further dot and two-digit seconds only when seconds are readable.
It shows 3.43.23
